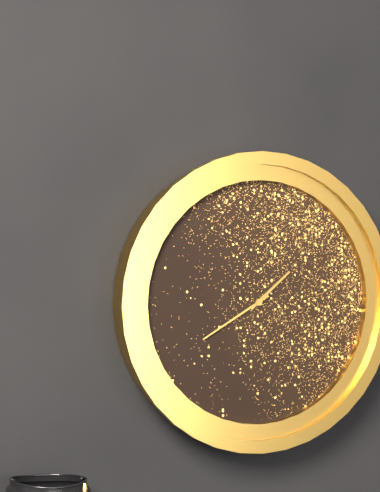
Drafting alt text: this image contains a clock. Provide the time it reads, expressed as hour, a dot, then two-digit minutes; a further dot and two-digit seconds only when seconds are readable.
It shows 1.40
